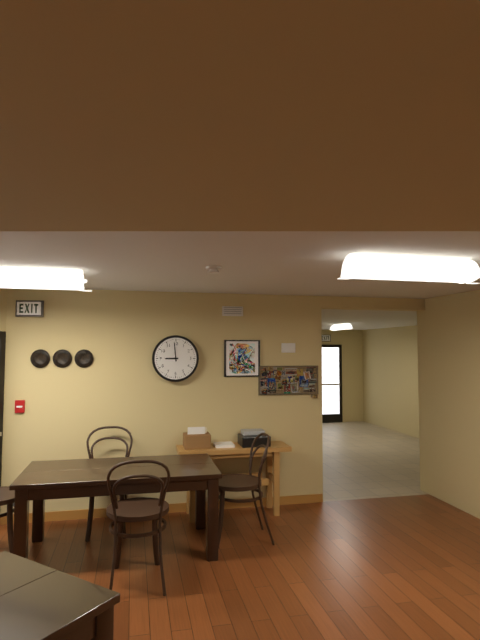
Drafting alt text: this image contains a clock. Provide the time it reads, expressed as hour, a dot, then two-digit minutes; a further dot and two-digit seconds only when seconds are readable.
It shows 8.59
